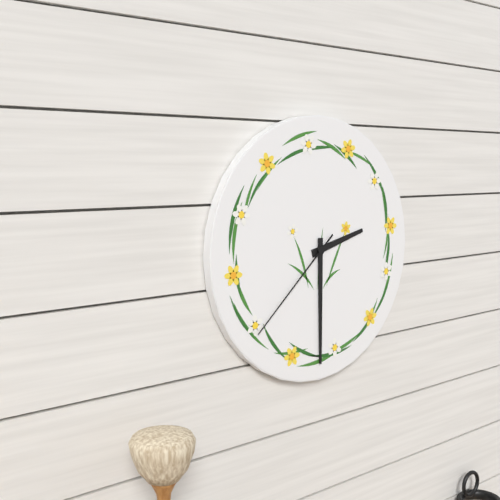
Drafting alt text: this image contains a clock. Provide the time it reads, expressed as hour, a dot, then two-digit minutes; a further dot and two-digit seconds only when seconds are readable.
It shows 2.30.38
